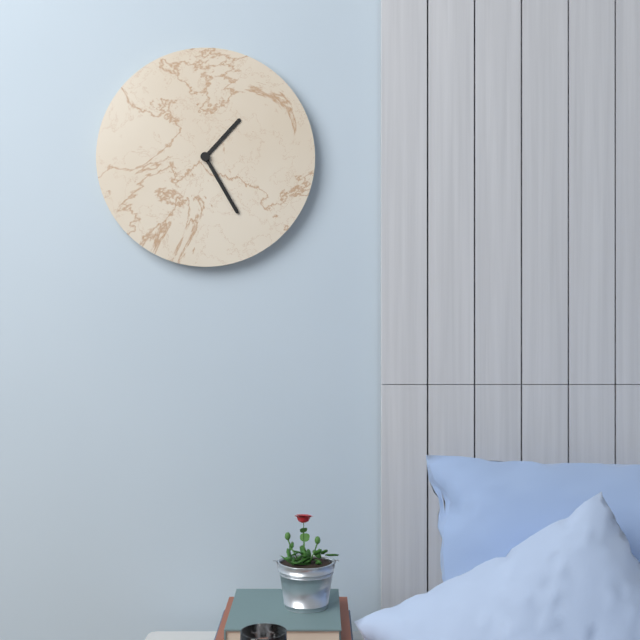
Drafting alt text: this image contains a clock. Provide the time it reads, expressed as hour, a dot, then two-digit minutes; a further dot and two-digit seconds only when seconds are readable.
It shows 1.25
